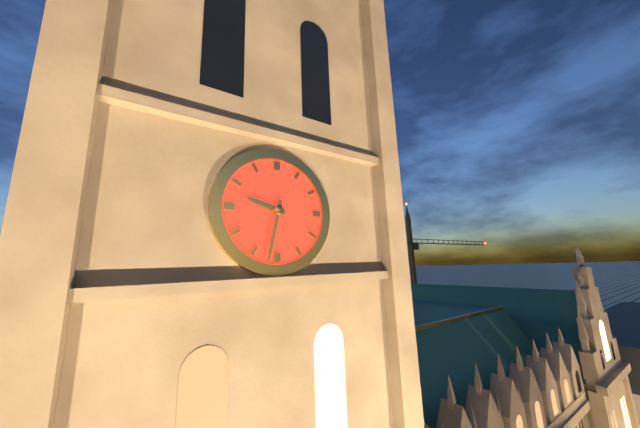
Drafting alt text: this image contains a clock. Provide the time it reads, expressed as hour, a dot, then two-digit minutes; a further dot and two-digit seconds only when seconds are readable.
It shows 9.32
